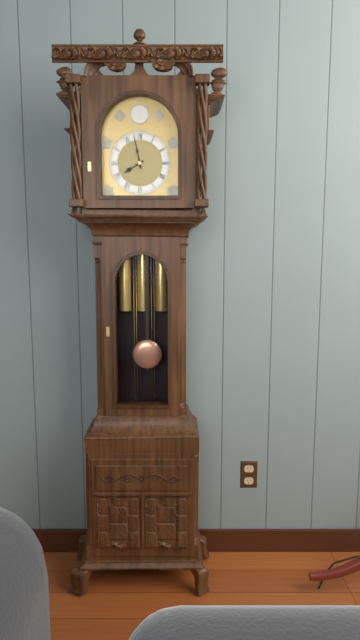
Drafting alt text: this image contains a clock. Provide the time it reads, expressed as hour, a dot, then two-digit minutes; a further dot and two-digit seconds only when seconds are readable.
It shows 7.58
